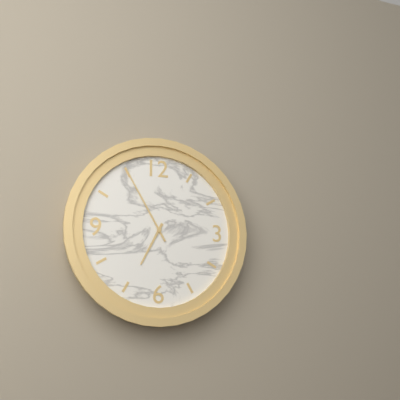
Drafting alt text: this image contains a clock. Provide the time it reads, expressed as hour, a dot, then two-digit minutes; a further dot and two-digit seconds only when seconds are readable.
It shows 6.55
